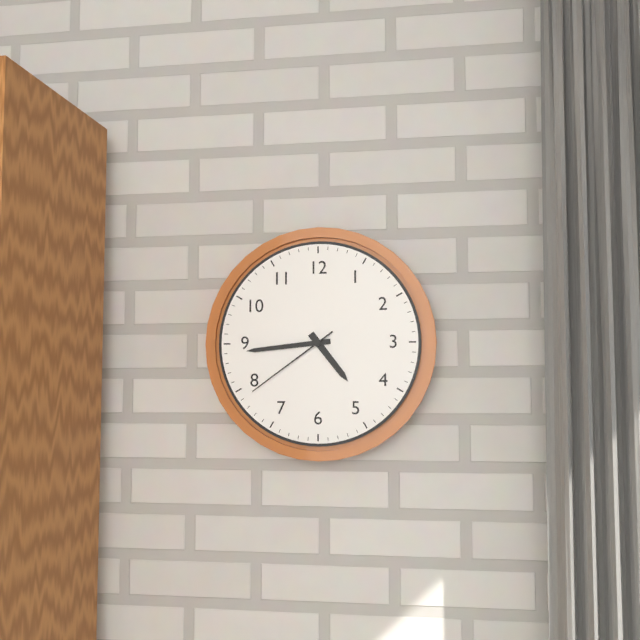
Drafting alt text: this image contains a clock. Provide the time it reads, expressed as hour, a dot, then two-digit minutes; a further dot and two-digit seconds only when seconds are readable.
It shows 4.44.39
